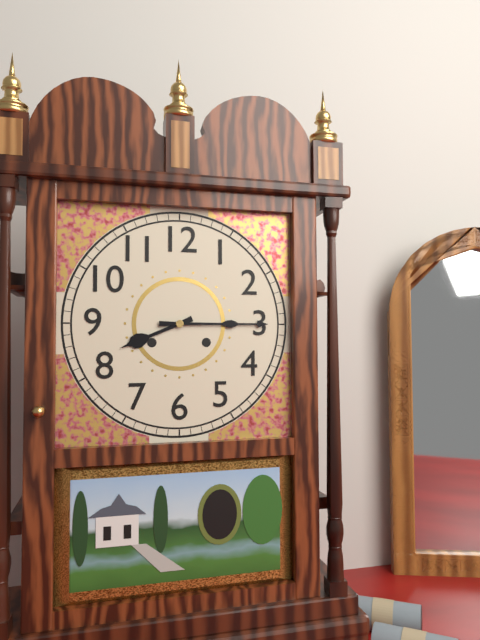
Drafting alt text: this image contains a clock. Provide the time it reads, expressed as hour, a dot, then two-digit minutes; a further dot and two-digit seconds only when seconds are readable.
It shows 8.15
